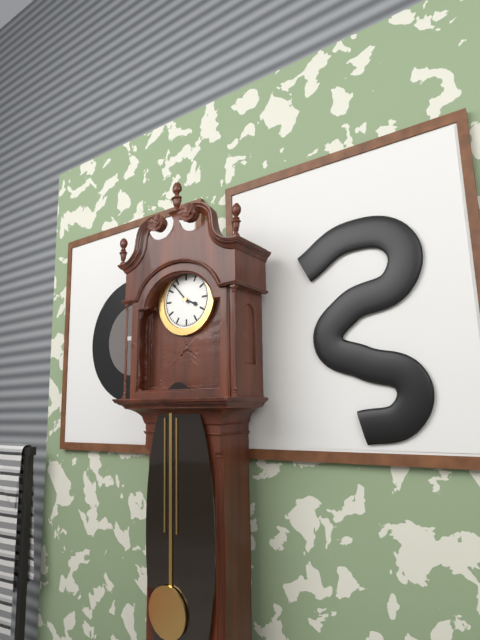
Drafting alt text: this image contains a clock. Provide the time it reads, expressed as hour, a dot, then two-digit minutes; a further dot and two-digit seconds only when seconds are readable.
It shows 3.53
